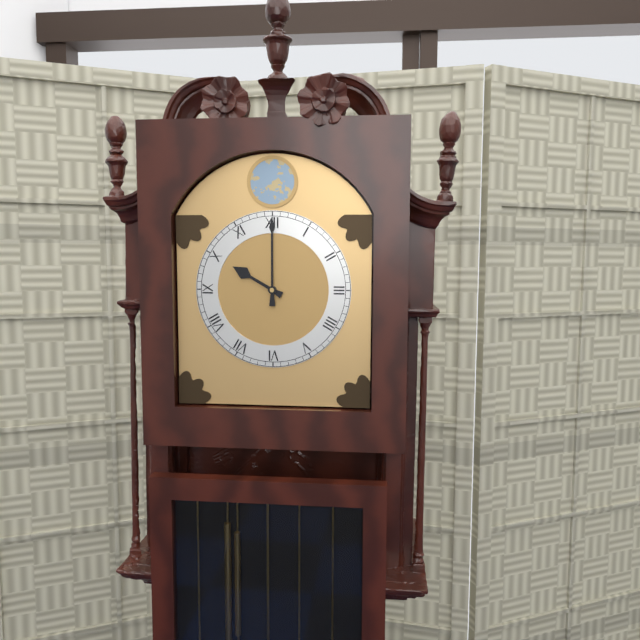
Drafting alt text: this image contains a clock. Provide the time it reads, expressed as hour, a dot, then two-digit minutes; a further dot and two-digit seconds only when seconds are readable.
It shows 10.00
